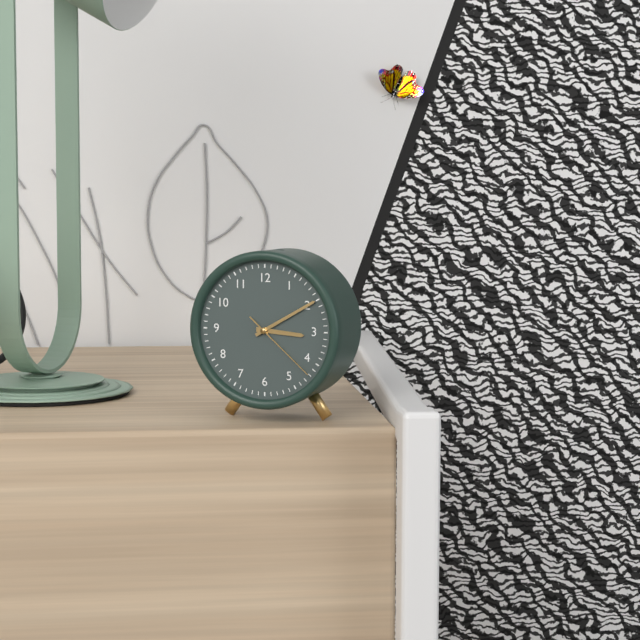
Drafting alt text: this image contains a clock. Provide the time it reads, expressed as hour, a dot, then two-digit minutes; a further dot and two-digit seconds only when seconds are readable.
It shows 3.10.22
